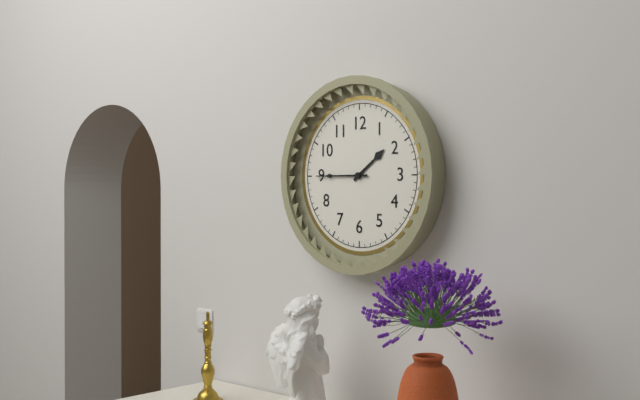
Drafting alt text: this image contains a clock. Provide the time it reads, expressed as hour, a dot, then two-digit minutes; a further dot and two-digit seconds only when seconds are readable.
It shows 1.45
